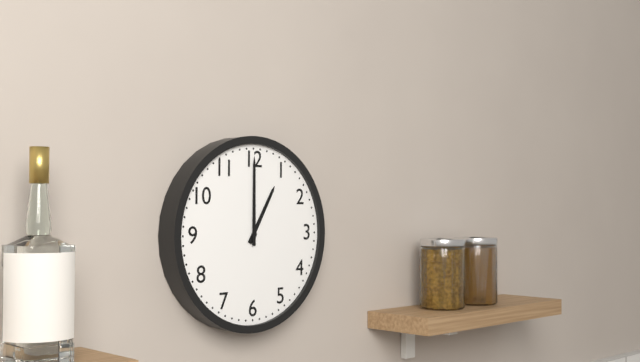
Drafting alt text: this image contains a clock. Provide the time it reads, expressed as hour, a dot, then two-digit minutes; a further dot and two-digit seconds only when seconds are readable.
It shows 1.00
